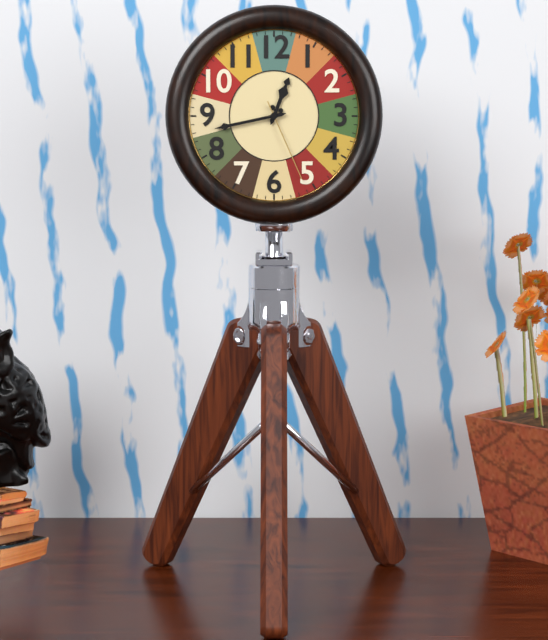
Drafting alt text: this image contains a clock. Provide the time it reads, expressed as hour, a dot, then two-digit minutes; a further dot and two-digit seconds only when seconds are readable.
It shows 12.43.26
